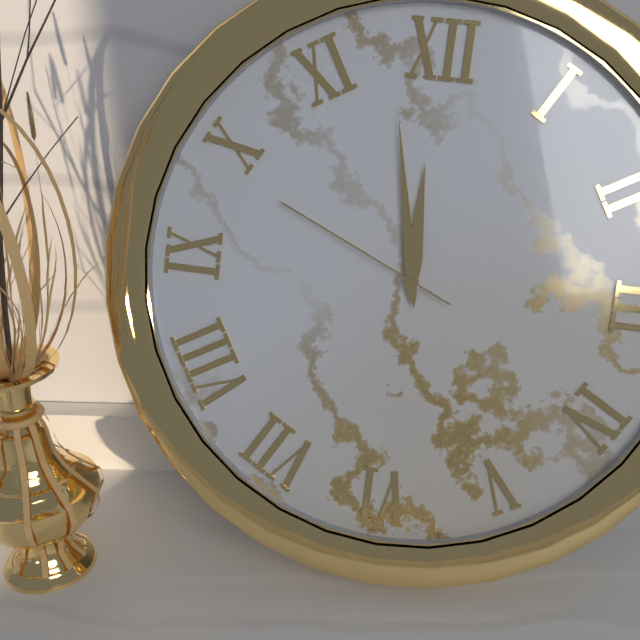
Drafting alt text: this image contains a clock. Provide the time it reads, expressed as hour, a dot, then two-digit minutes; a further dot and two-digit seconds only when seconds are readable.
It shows 11.58.49
